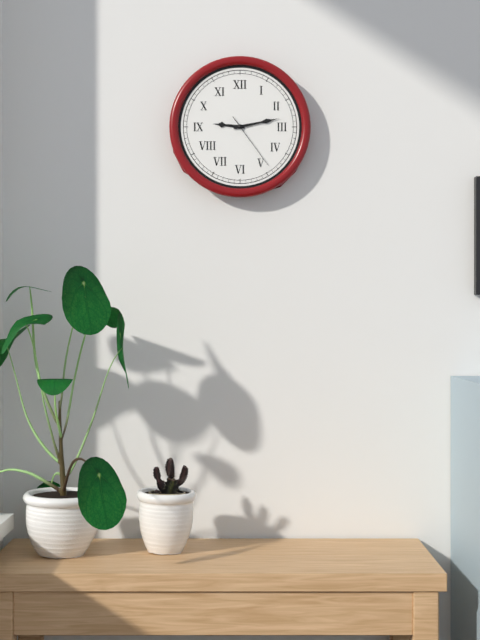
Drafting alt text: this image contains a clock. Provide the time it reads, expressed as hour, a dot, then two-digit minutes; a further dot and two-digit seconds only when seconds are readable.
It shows 9.13.24
